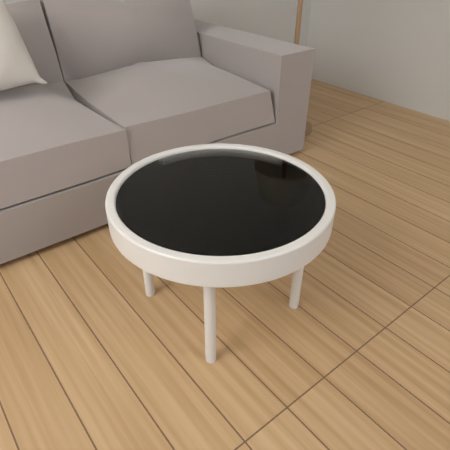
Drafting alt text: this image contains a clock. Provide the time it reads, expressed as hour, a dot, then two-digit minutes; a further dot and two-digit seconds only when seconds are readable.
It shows 2.36
